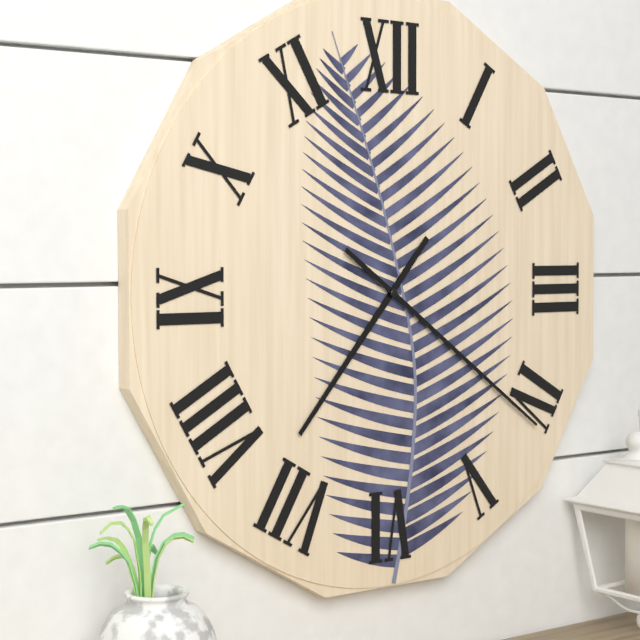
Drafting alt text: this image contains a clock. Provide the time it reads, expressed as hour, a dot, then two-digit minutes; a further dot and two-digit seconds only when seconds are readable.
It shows 7.21
